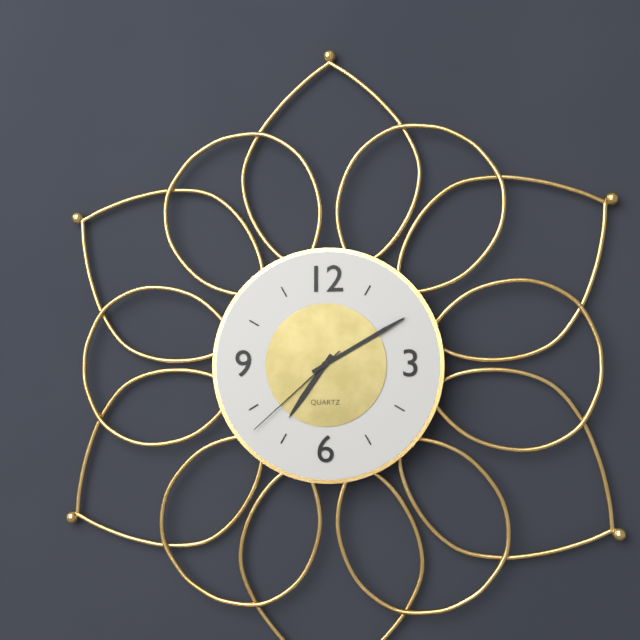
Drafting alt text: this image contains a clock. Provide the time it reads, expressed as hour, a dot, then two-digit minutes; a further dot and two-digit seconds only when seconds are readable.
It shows 7.10.38
